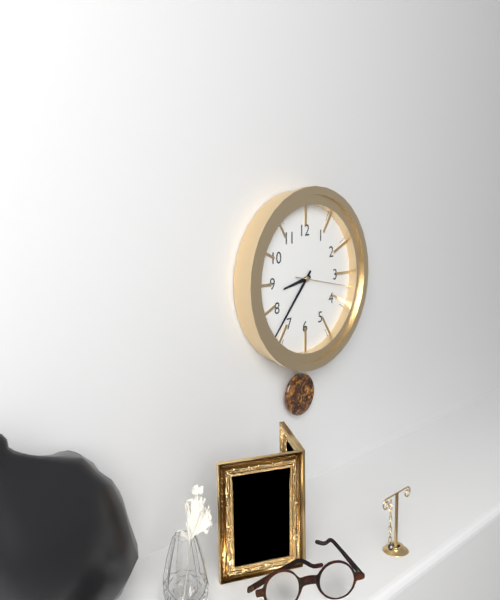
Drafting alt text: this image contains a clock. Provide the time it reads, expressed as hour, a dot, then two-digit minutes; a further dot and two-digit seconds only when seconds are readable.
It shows 8.37.17
